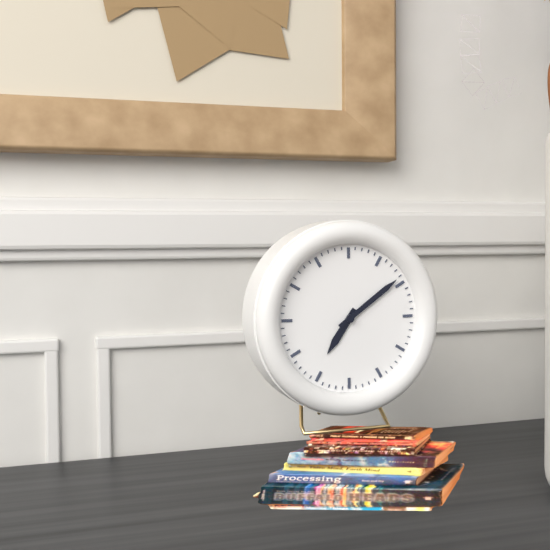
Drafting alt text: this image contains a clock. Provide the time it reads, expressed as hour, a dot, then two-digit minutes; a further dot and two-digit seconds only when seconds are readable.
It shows 7.09
